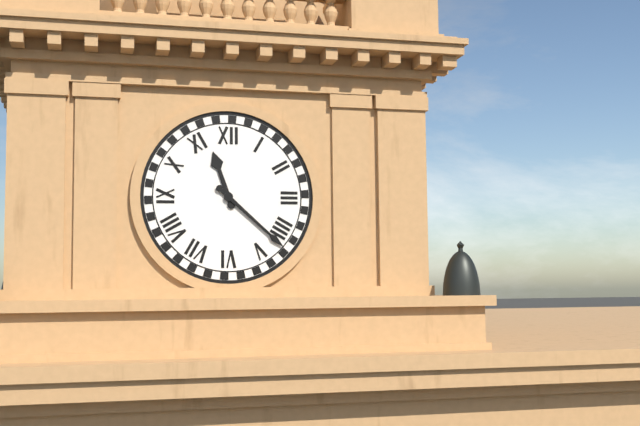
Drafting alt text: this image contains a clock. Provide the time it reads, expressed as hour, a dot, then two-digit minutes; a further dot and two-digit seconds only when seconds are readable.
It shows 11.22
